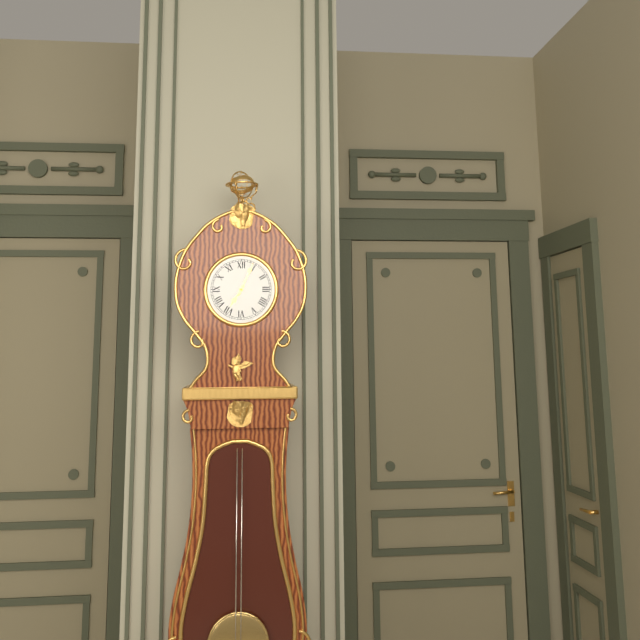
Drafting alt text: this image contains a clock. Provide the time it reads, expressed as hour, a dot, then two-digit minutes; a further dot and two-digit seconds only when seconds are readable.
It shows 7.04
